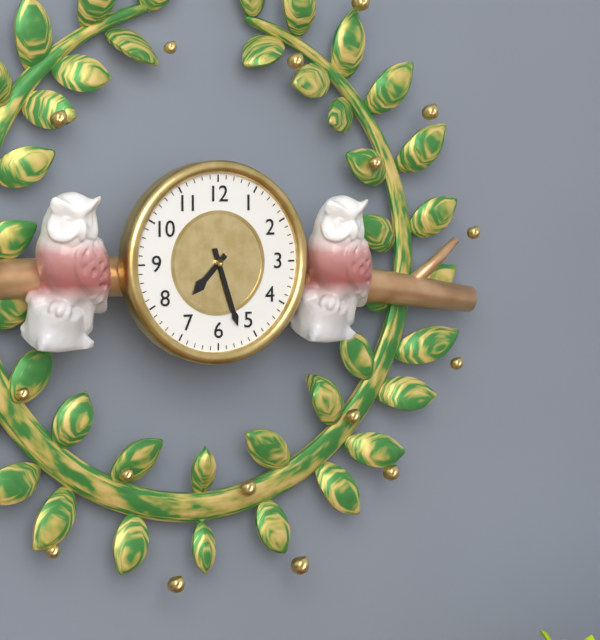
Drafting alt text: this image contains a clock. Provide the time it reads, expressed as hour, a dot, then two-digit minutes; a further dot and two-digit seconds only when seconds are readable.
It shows 7.27
